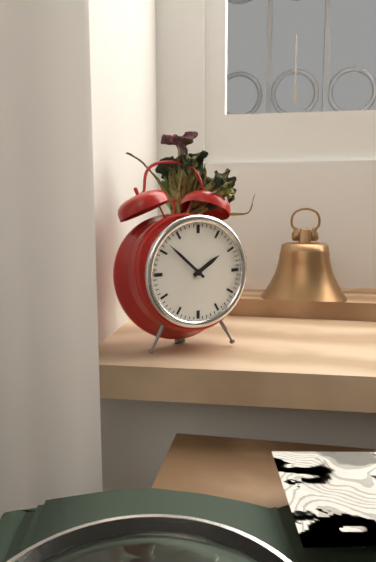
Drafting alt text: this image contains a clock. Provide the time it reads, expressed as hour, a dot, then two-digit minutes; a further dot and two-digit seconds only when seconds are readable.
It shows 1.52
